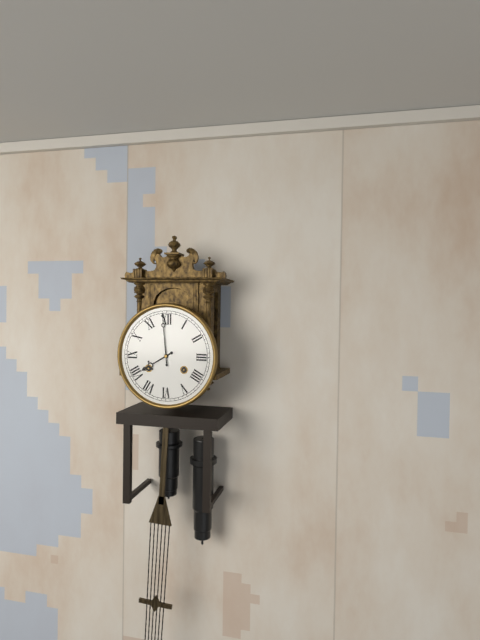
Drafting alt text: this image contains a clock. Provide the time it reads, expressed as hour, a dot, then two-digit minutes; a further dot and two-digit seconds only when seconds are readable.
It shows 7.59
